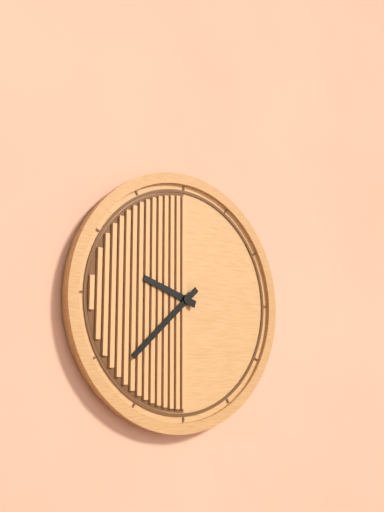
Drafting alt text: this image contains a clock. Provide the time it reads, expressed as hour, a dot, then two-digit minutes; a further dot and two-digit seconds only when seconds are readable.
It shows 9.38
